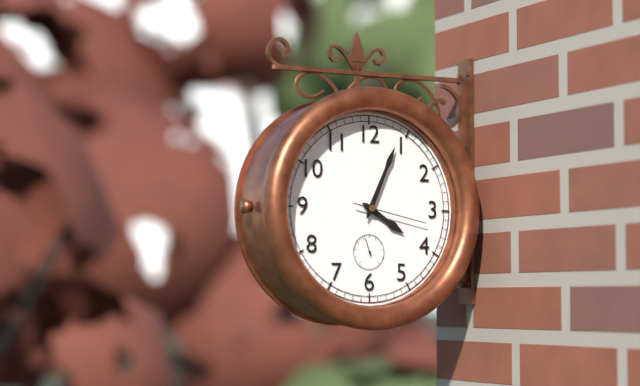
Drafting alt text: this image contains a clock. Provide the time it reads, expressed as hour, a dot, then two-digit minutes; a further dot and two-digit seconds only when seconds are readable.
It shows 4.04.17
